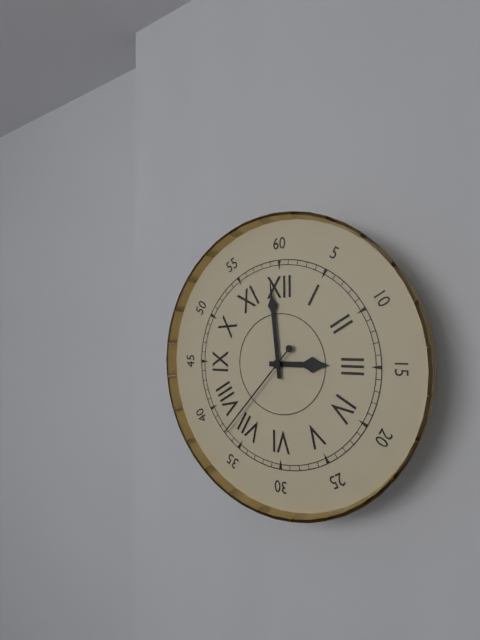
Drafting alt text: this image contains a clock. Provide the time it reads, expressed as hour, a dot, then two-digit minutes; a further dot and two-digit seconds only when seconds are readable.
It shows 2.59.37
